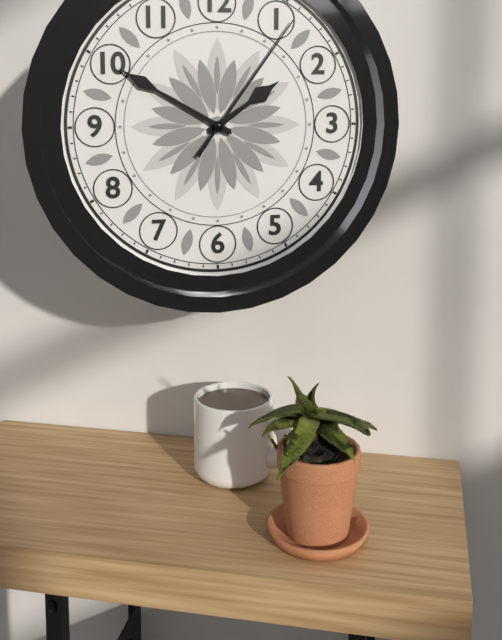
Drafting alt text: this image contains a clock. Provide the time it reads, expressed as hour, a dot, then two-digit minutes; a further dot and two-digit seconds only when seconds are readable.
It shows 1.50.06
